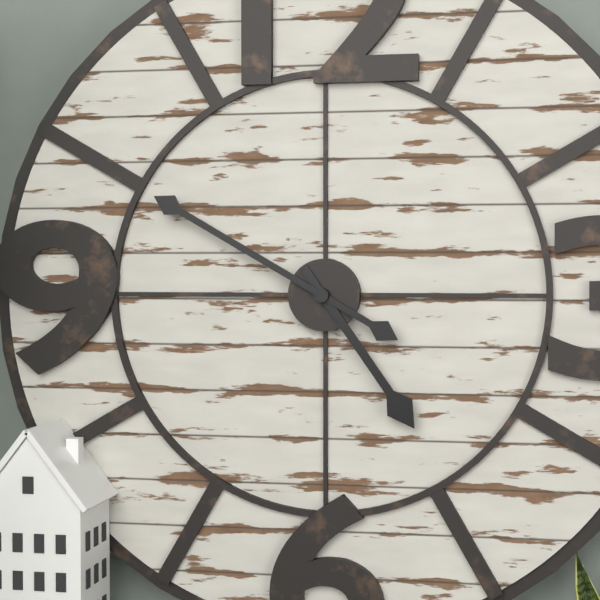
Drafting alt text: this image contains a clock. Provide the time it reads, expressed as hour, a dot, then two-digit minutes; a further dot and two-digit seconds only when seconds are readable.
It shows 4.50
